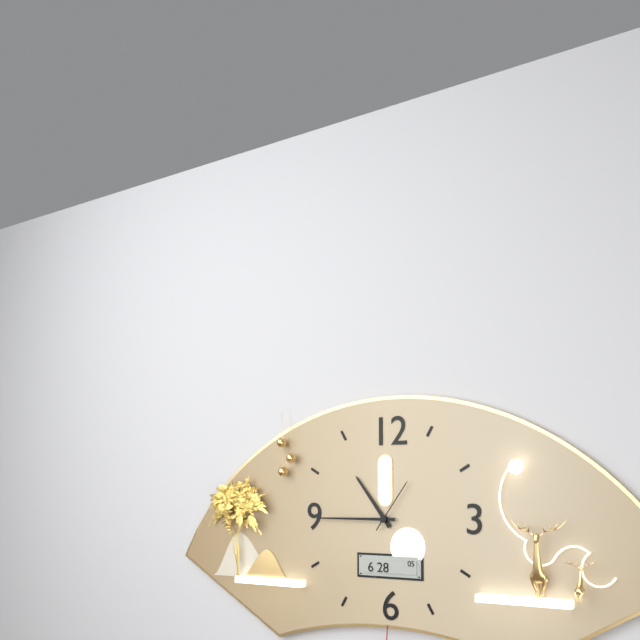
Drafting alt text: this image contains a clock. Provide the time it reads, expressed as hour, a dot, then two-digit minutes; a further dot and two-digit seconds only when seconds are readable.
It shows 10.45.06
